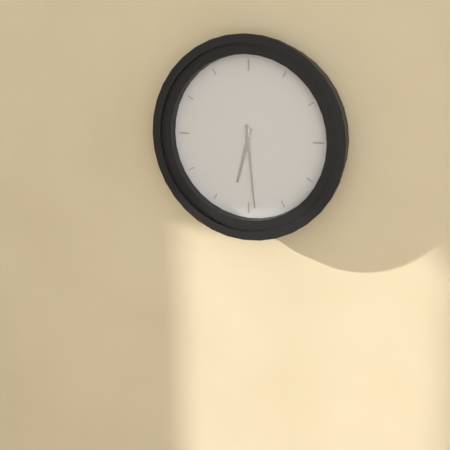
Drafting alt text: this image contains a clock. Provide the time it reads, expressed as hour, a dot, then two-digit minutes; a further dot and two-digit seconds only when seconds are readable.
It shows 6.29
